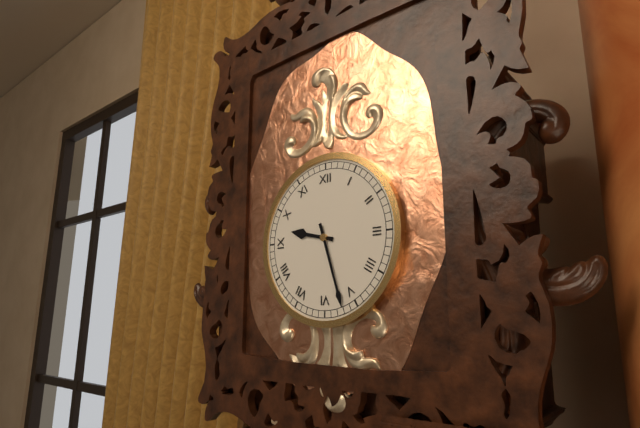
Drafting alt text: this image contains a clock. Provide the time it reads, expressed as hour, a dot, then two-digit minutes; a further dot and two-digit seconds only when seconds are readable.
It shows 9.27
